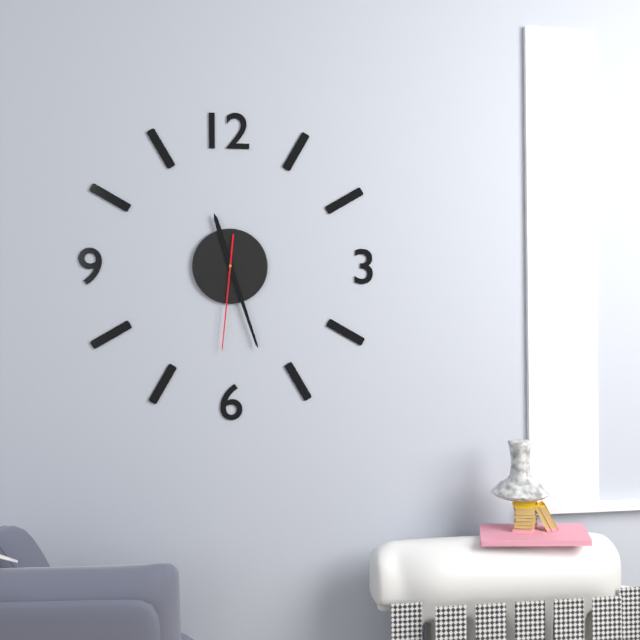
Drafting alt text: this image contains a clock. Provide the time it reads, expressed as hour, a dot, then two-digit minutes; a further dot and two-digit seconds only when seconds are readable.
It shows 11.27.31
